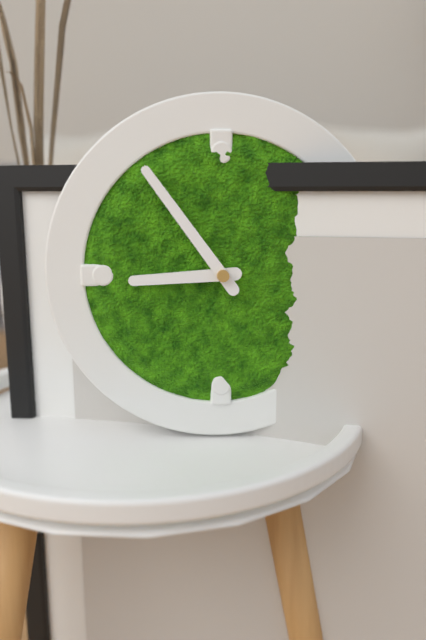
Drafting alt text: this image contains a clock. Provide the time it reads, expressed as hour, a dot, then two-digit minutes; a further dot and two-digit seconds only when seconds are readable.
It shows 8.54
